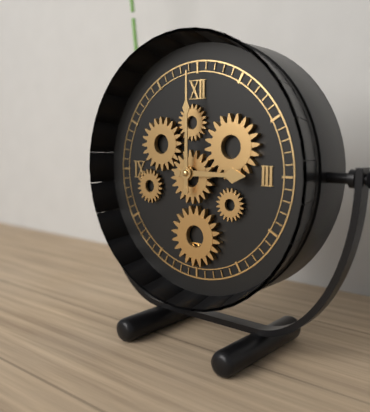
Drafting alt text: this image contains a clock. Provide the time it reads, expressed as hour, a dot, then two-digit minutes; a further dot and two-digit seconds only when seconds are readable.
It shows 3.00
